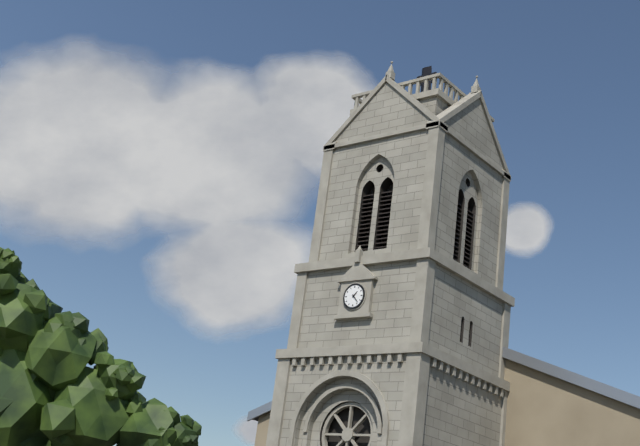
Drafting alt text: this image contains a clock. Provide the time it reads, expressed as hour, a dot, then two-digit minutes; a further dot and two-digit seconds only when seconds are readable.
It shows 1.23
